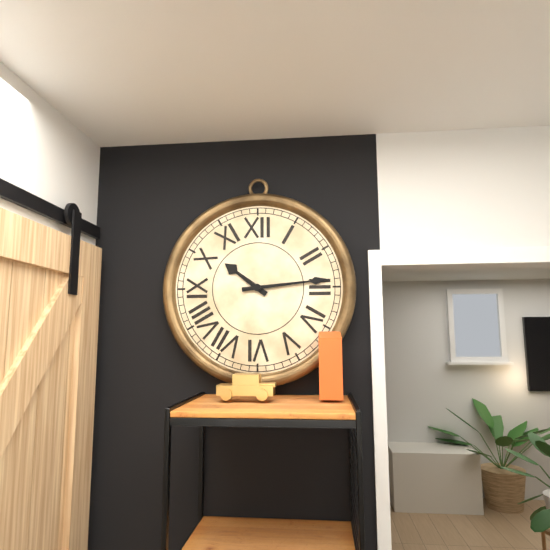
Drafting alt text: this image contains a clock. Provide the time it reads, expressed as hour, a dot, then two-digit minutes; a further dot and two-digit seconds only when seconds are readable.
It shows 10.14
